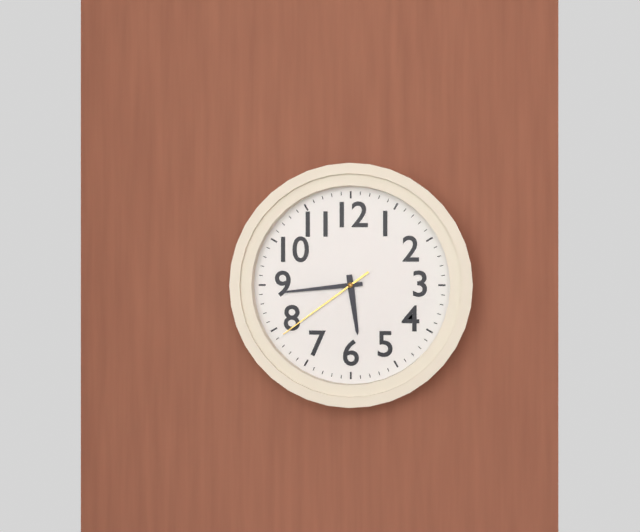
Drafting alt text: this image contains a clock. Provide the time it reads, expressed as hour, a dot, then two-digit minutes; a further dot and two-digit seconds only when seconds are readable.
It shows 5.44.39
